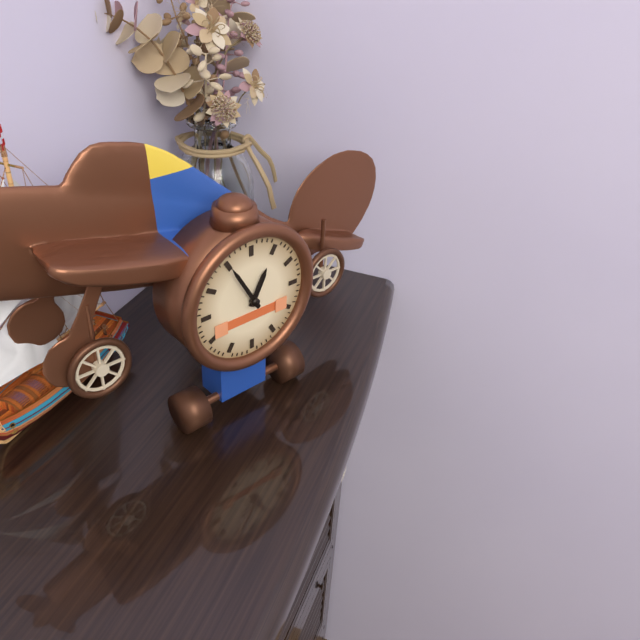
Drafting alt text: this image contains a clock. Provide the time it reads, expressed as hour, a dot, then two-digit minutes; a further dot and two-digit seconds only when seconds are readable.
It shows 12.55
